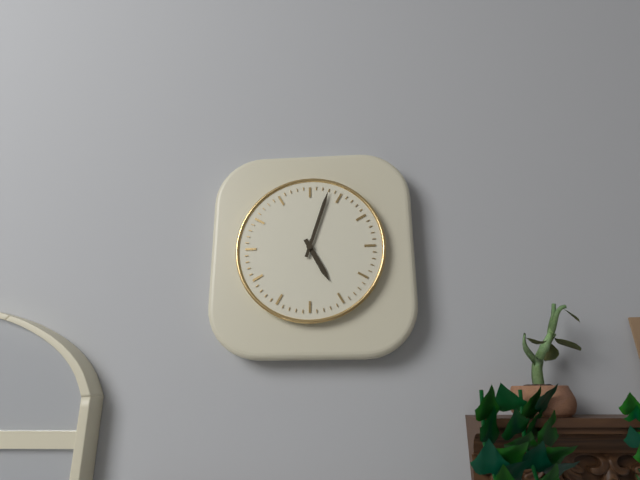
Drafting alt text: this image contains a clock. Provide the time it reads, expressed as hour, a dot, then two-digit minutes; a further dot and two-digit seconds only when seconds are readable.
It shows 5.03
